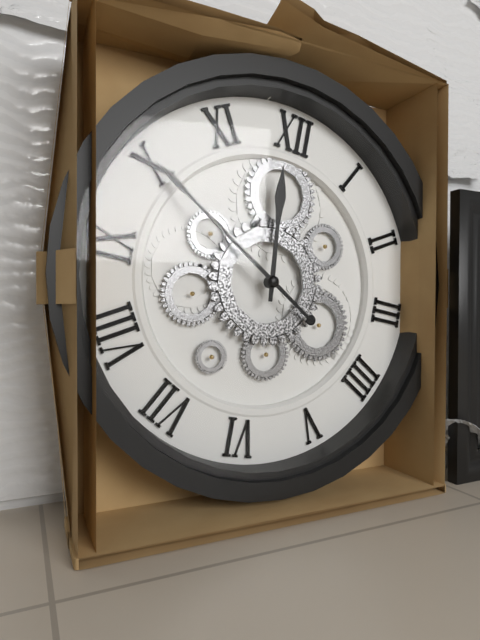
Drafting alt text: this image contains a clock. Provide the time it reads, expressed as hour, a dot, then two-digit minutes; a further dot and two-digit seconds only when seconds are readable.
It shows 11.50
